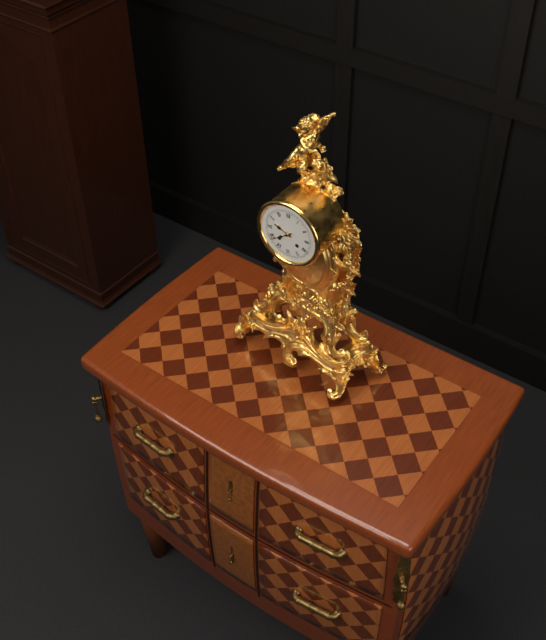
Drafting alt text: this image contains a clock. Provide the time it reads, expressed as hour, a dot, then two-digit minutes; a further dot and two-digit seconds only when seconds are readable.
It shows 9.39
